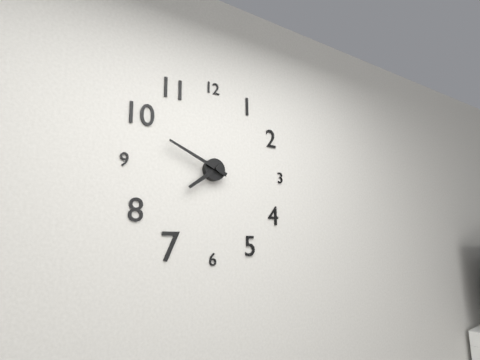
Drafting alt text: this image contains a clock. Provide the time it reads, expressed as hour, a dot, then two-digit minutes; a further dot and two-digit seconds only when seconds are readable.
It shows 7.49
